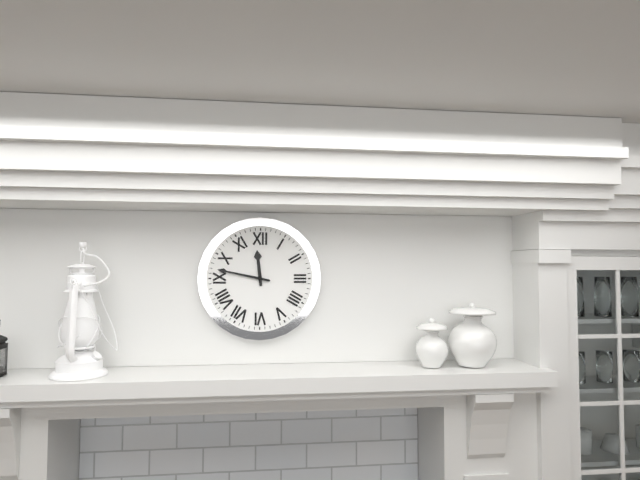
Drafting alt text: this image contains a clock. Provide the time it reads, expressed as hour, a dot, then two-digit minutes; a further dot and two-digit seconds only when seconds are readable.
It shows 11.47
